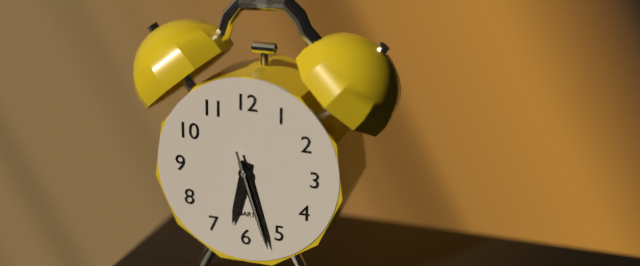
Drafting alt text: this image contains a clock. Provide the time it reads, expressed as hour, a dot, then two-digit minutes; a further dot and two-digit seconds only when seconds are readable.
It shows 6.27.27
